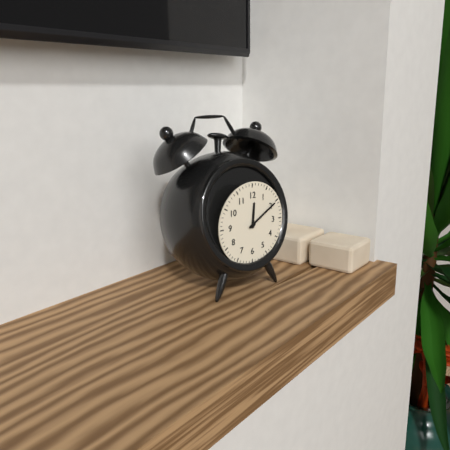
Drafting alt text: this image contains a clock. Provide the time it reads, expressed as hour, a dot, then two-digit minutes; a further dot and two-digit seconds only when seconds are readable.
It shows 12.10
